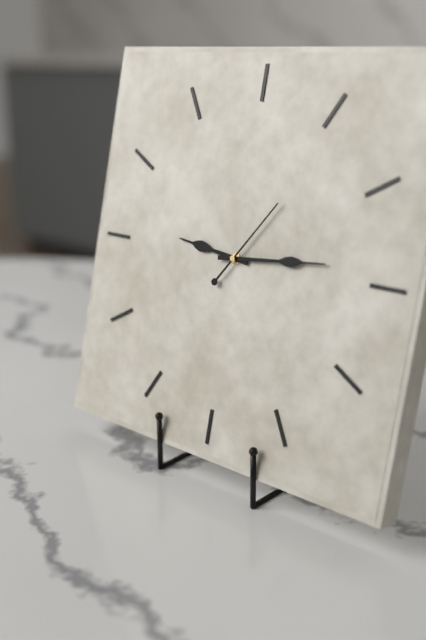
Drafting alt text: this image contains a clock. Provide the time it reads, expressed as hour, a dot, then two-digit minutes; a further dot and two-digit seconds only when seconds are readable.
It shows 9.14.06
